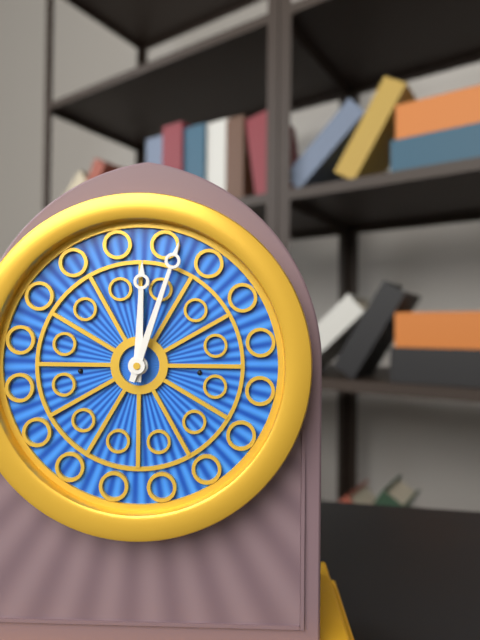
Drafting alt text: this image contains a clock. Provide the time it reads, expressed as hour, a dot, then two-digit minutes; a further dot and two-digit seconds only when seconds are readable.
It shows 12.03
